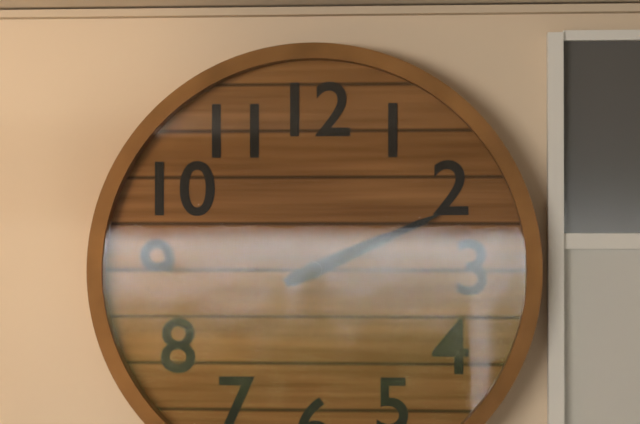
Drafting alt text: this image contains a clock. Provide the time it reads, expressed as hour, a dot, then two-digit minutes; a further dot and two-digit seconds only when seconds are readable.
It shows 2.11
